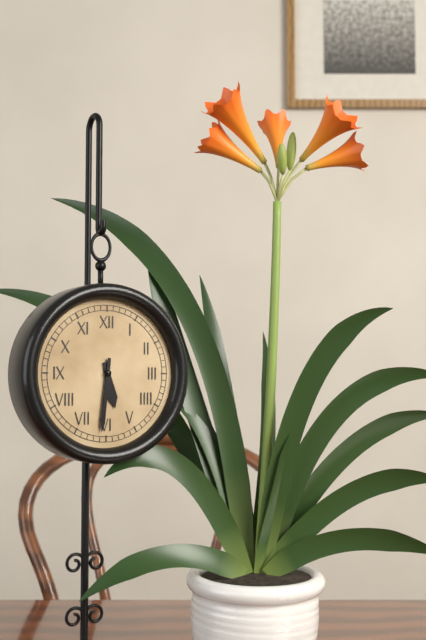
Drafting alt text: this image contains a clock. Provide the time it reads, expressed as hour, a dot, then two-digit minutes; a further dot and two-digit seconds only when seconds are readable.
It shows 5.31
